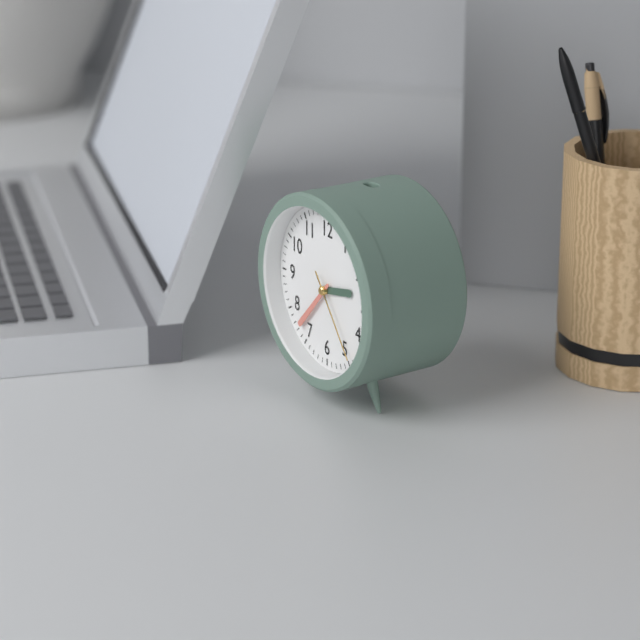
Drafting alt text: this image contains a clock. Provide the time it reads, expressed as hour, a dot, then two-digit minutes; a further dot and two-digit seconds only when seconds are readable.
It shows 2.37.24
